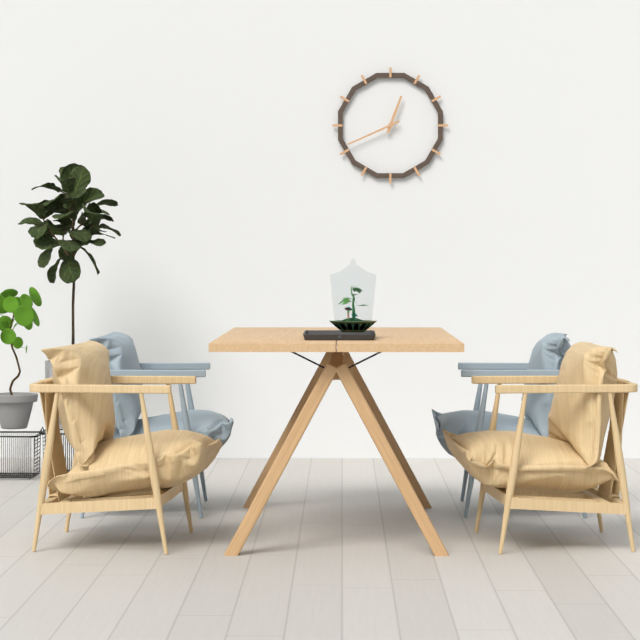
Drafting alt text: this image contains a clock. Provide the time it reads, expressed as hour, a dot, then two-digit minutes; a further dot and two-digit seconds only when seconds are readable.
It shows 12.41
